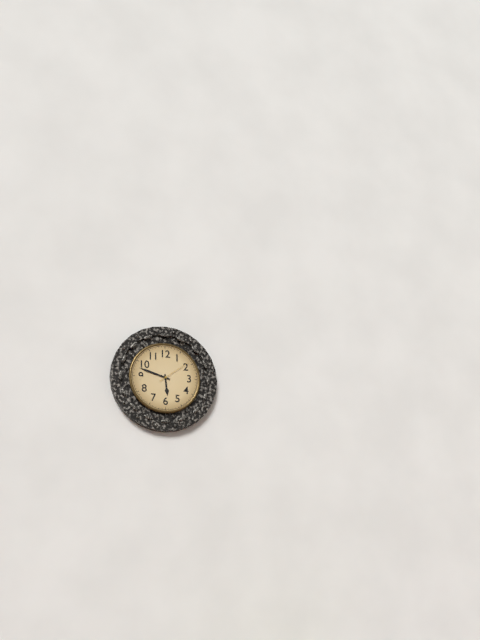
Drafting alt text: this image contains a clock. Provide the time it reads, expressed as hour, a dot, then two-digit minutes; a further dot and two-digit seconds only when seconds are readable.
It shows 5.48
